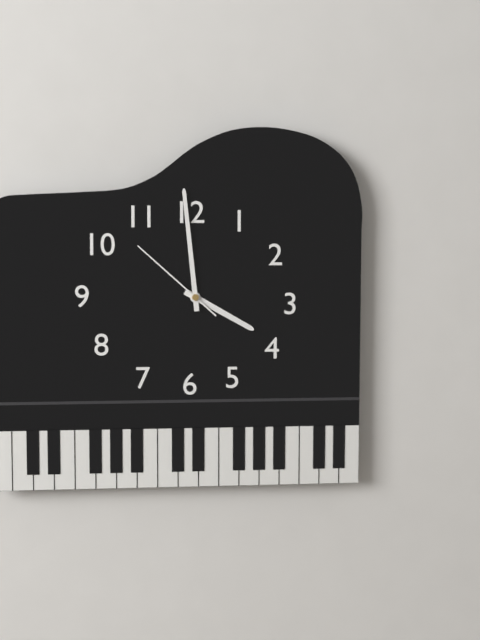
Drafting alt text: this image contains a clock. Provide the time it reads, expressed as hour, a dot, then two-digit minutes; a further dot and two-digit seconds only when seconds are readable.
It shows 3.59.52
